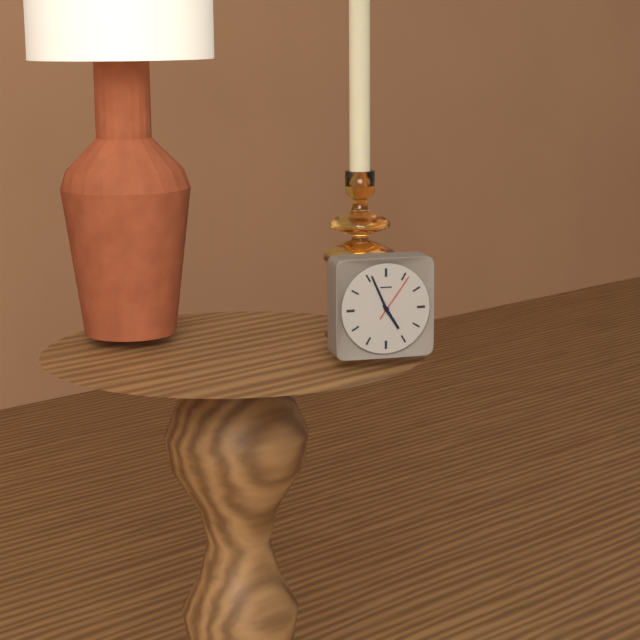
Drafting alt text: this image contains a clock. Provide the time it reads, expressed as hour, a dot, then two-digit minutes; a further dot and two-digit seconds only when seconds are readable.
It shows 4.56.06
